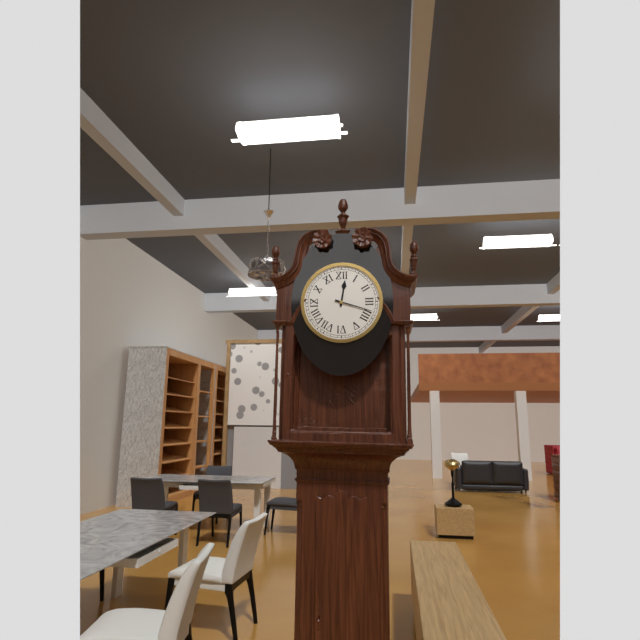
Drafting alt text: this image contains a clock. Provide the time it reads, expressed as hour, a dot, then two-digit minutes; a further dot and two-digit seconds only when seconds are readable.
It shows 12.18
